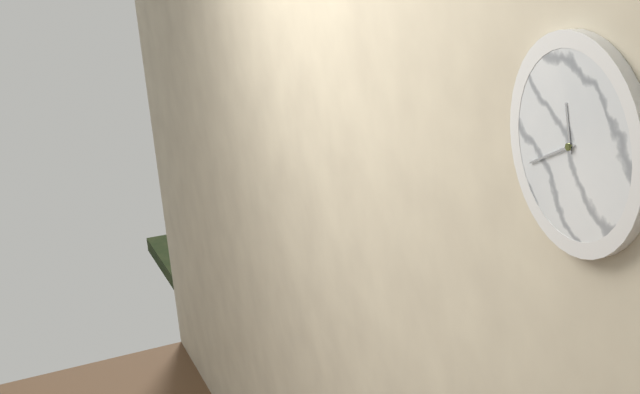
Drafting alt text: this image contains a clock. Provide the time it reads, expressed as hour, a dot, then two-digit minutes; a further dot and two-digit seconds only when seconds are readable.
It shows 11.41
